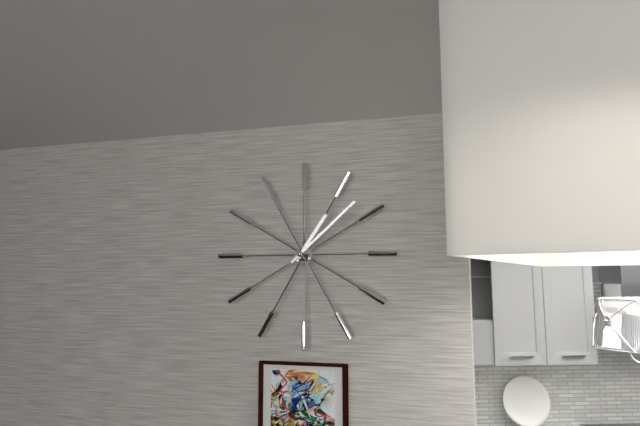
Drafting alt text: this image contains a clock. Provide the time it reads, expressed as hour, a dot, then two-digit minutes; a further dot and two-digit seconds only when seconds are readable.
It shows 1.08
